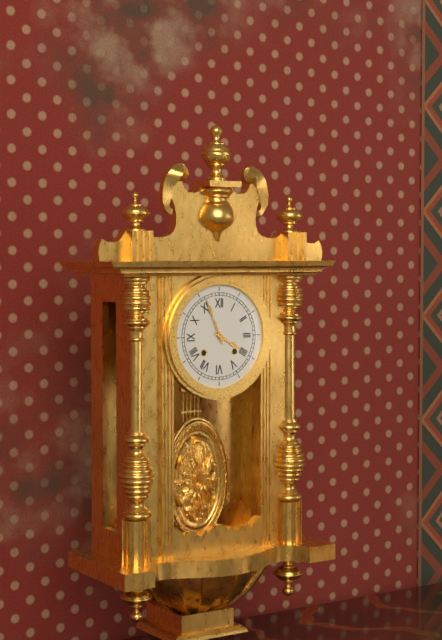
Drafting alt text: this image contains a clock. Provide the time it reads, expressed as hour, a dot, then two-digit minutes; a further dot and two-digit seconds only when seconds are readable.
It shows 3.56
